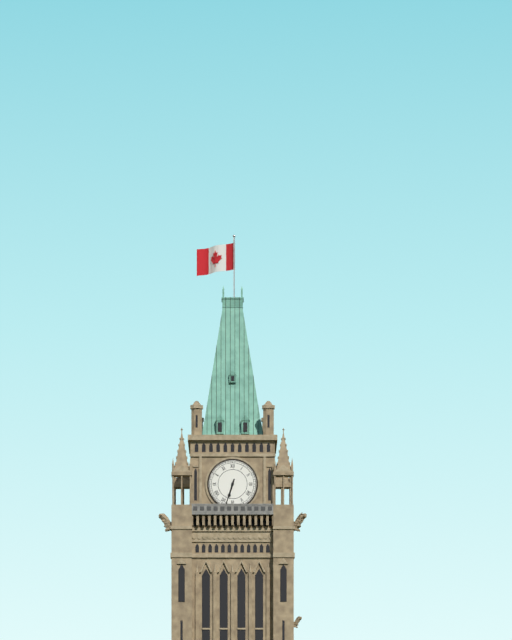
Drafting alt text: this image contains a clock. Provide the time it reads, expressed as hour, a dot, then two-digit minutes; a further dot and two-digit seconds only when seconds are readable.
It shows 6.33
